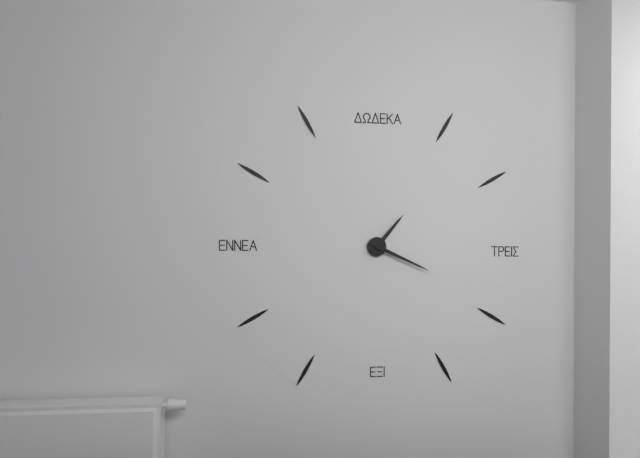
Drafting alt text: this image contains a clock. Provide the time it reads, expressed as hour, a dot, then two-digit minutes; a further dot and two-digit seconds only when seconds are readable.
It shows 1.19
